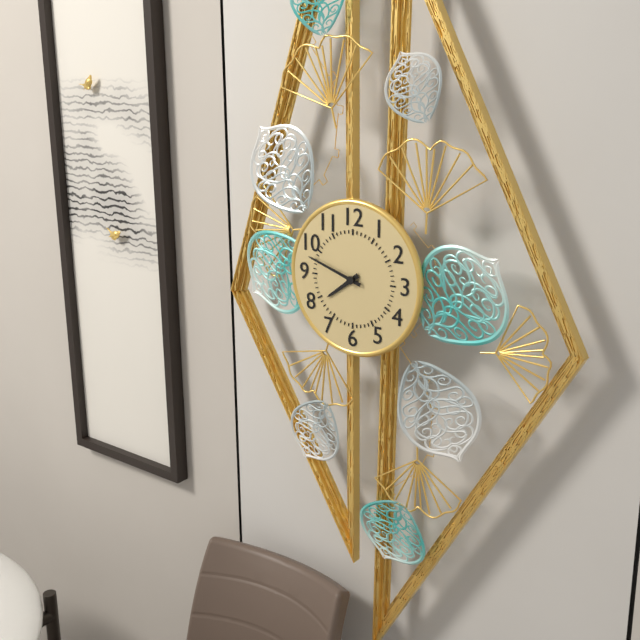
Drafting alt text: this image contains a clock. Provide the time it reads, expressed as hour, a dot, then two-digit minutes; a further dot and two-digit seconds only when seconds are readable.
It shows 7.48
